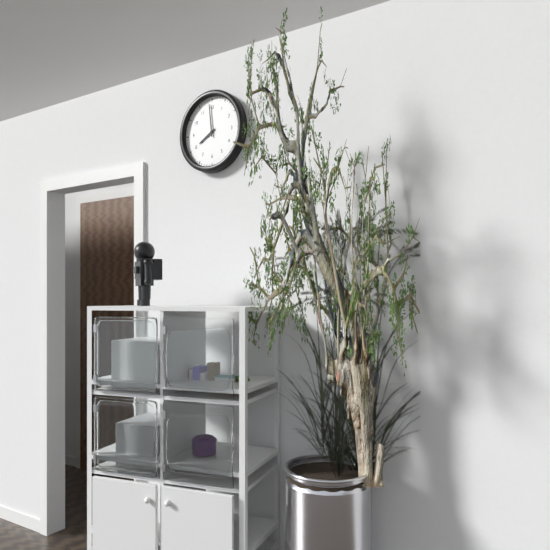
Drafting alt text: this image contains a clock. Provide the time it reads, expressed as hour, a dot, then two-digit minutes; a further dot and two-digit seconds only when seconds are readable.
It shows 7.59
